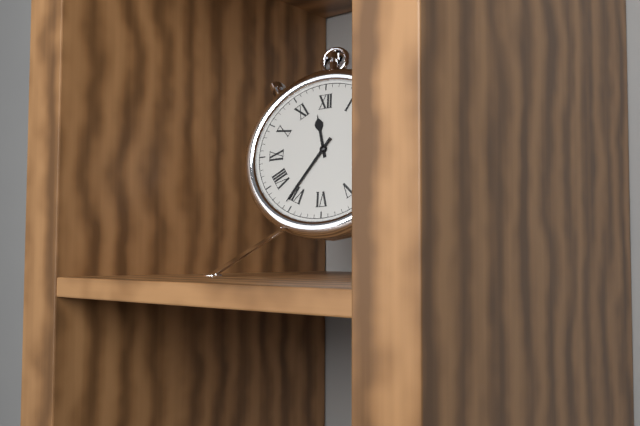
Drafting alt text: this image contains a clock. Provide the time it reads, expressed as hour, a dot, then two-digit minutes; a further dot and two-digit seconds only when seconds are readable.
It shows 11.36
